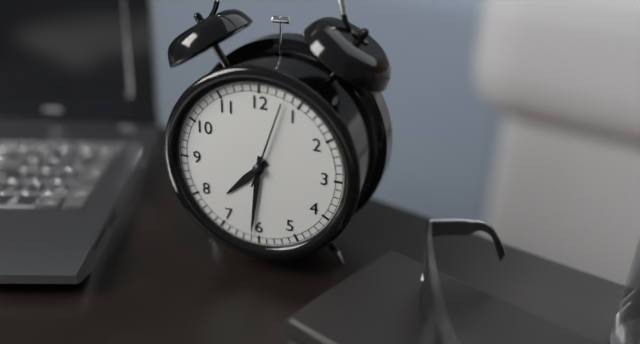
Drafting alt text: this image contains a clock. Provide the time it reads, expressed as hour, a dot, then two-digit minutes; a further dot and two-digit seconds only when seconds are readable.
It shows 7.31.03
